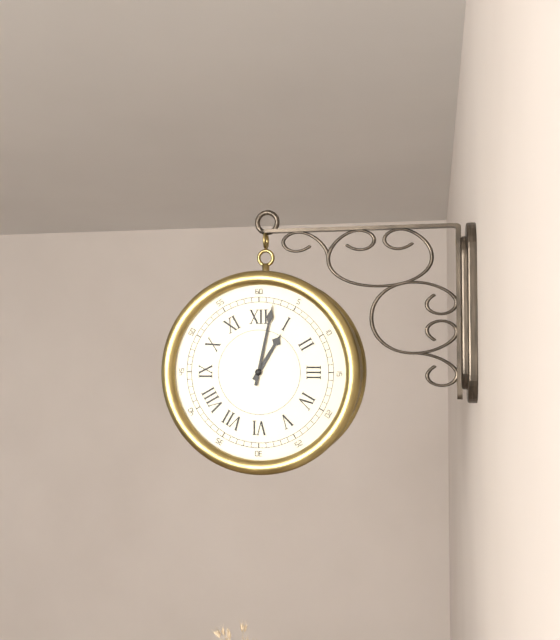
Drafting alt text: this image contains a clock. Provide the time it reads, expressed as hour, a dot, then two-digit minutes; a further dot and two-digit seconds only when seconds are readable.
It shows 1.02
